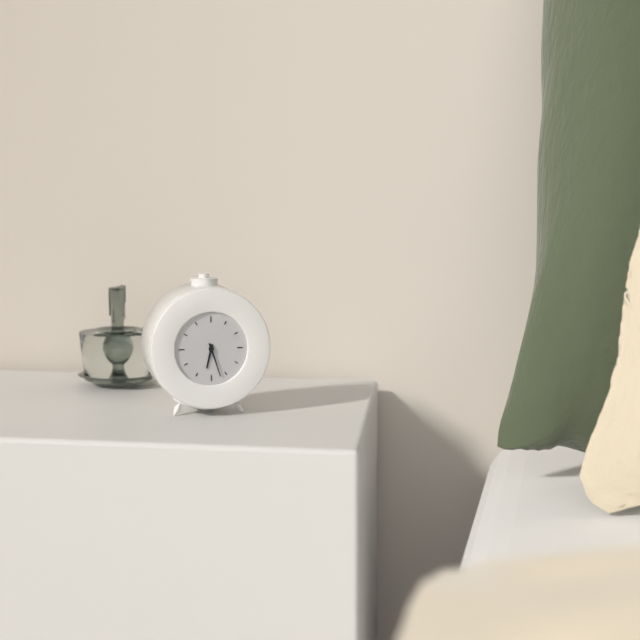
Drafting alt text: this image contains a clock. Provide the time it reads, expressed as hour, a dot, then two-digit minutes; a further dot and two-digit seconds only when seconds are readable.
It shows 6.27
